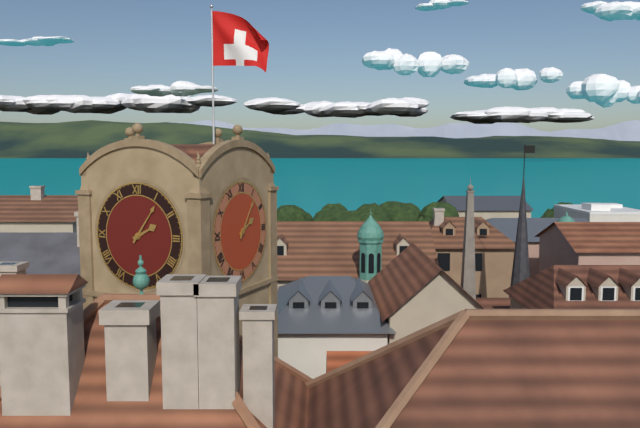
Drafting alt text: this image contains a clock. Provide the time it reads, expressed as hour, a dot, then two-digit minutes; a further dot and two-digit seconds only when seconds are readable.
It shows 2.06
